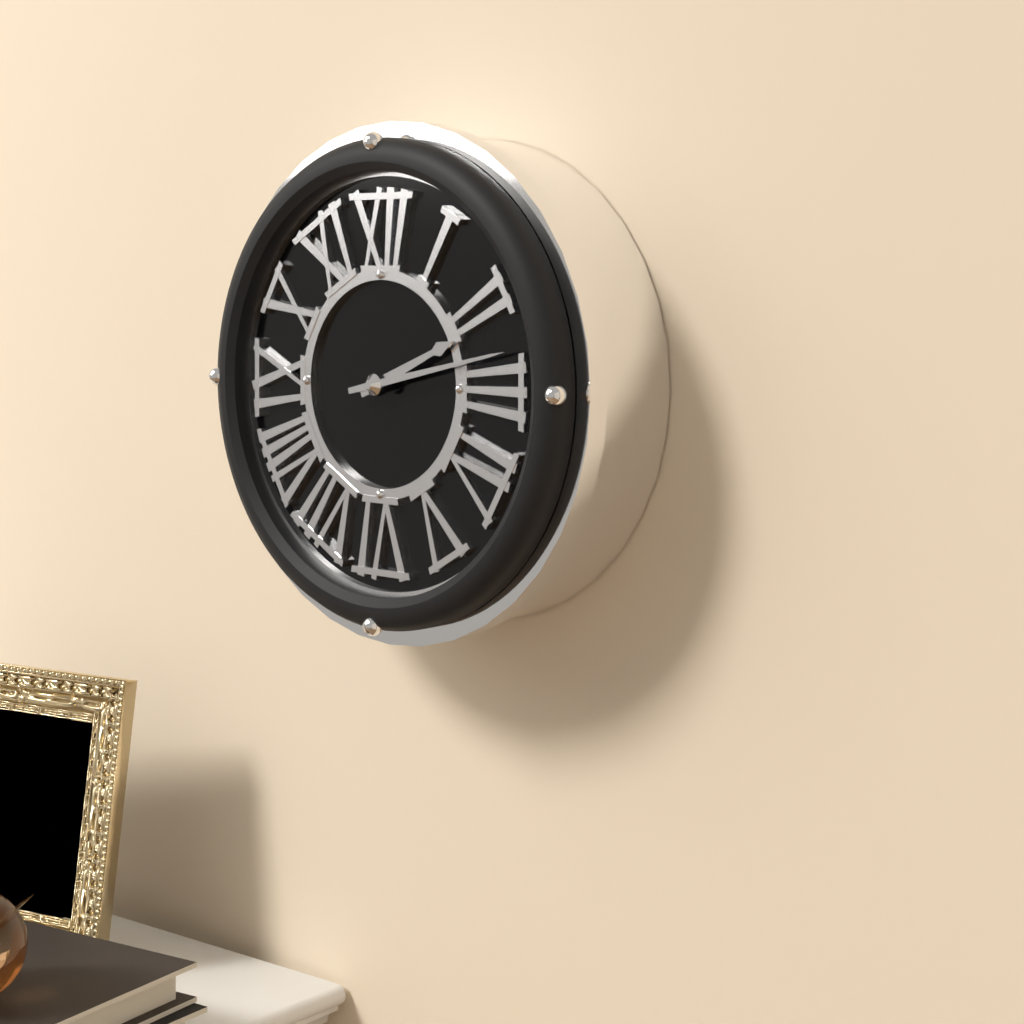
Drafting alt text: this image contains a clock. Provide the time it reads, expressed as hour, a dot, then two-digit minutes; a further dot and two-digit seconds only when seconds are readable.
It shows 2.13
